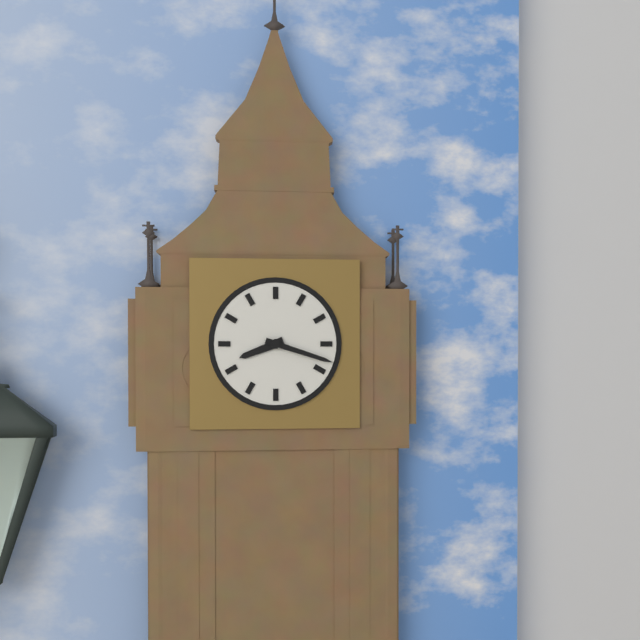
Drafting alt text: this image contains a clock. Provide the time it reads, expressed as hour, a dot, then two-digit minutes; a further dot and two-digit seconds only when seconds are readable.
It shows 8.18
